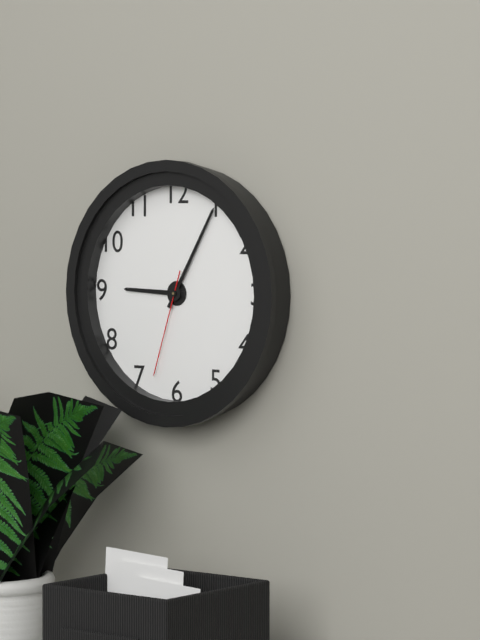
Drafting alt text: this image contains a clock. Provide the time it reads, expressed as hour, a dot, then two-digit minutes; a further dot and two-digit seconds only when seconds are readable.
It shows 9.05.33
